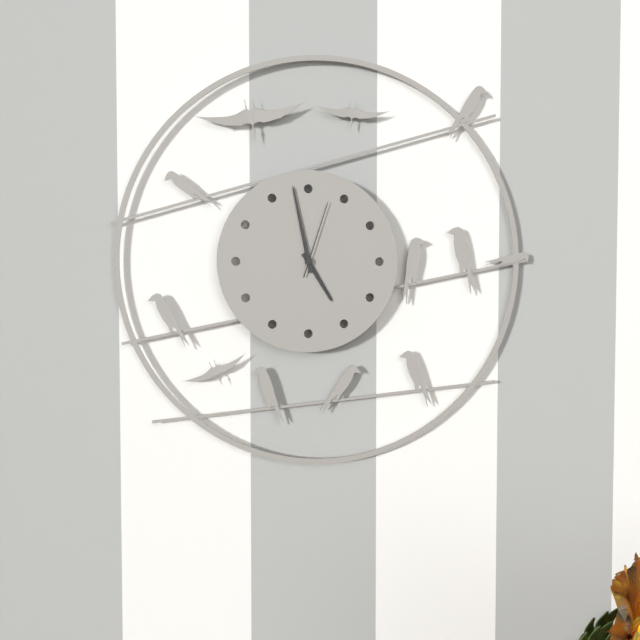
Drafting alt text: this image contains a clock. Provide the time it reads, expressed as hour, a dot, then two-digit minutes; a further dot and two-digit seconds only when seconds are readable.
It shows 4.58.03
